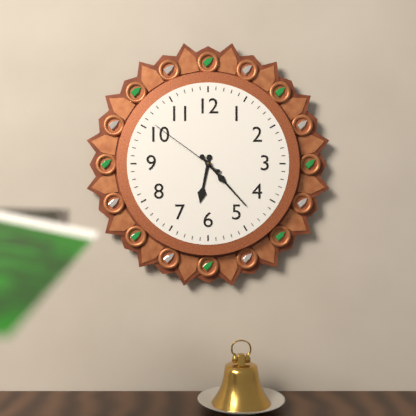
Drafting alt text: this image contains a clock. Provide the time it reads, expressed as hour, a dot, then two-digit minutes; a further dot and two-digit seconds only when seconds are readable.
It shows 6.23.51
